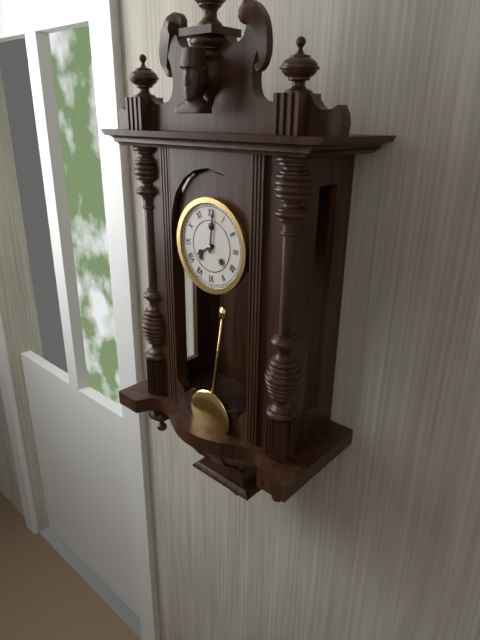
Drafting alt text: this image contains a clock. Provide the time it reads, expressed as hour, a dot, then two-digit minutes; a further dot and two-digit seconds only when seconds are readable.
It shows 8.01
